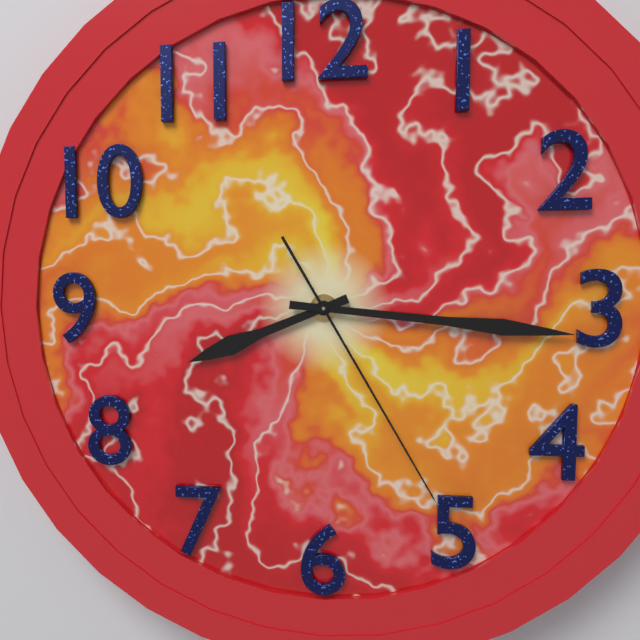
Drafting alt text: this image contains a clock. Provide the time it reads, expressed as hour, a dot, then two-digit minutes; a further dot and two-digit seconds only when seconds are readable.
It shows 8.16.25
